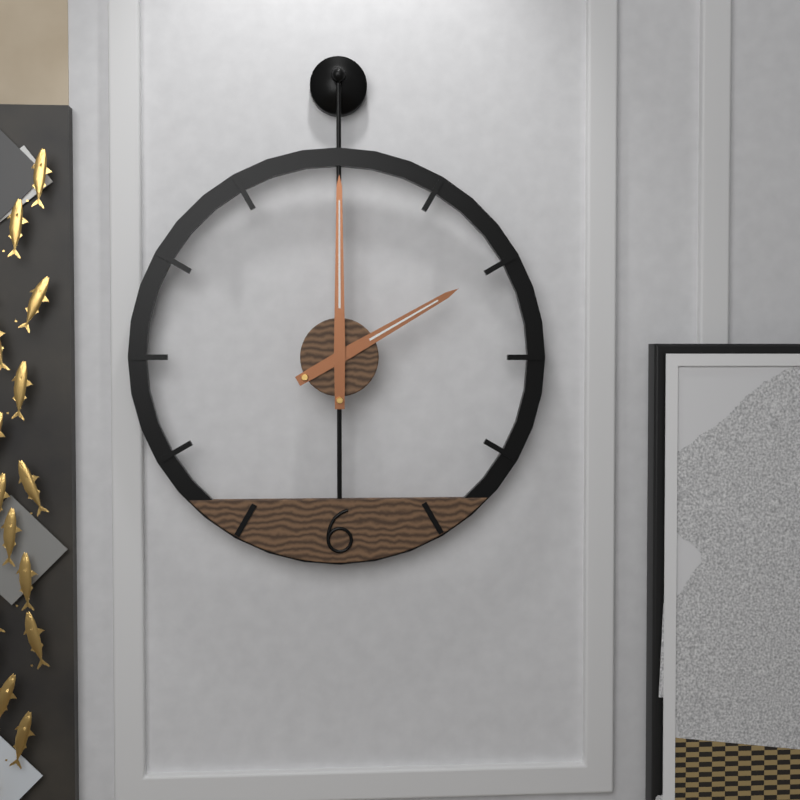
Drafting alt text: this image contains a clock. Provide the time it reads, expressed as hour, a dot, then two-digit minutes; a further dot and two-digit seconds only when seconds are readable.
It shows 2.00
